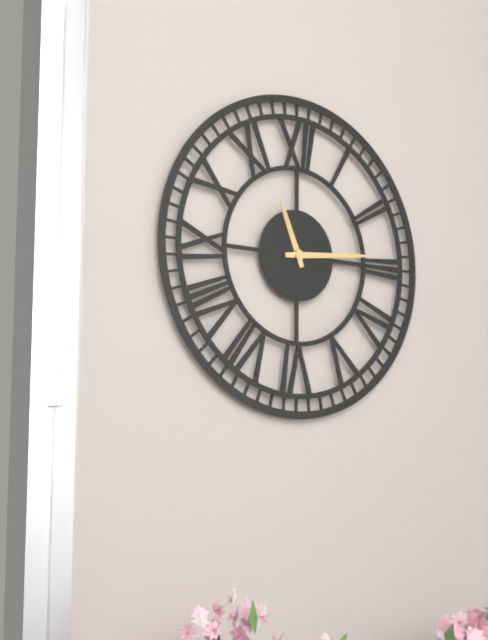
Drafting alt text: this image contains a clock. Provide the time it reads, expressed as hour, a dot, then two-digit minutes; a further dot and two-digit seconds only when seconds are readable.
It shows 11.14
